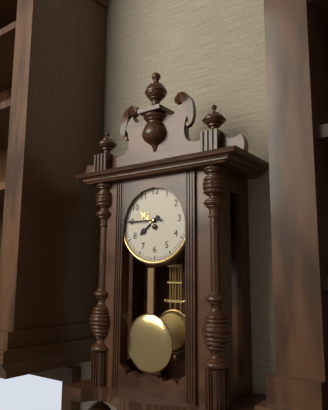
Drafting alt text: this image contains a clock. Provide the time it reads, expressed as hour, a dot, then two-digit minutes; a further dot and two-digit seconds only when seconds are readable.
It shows 7.45
